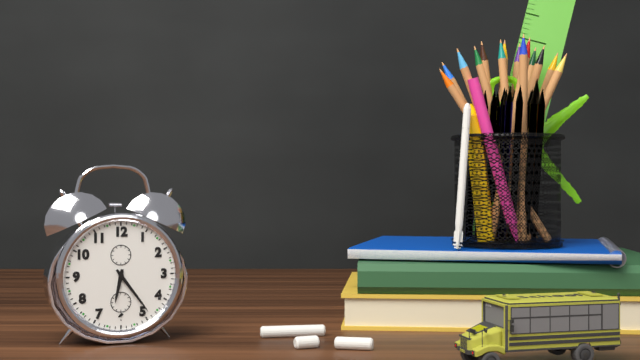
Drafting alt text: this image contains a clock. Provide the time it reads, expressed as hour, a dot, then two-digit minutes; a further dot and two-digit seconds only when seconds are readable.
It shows 6.24
